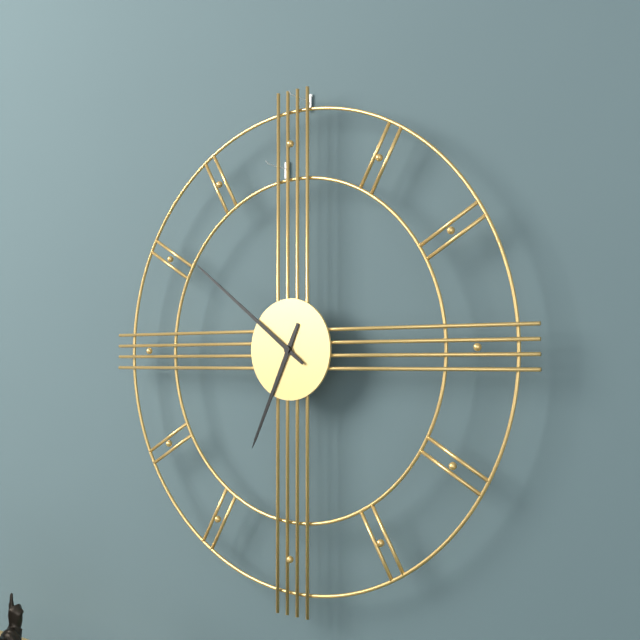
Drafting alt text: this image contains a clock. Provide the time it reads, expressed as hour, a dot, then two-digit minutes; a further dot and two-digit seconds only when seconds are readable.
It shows 6.51
